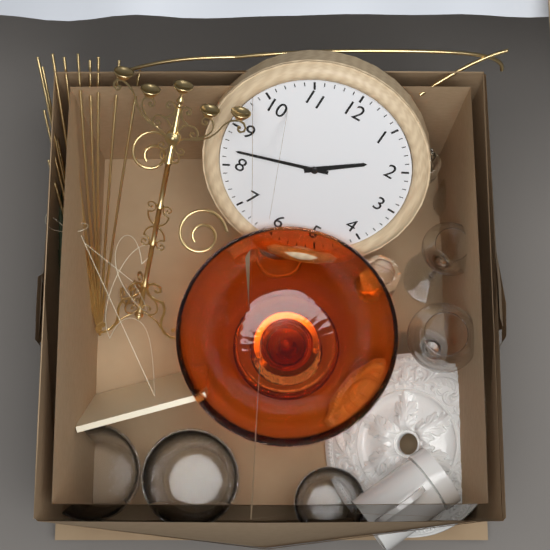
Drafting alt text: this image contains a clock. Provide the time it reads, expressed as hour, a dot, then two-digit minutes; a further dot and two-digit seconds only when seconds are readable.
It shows 1.42
